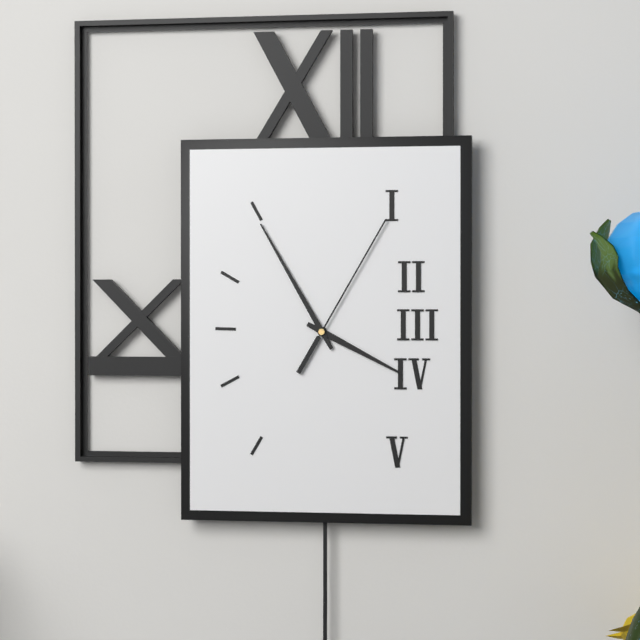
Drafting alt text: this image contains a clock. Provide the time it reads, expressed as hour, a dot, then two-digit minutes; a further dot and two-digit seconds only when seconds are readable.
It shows 3.55.05
